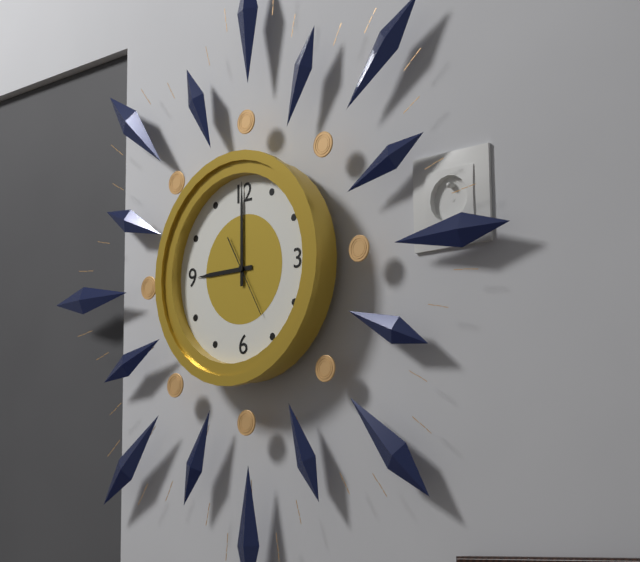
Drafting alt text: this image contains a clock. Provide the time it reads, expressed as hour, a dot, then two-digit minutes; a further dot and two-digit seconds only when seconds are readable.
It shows 9.00.25
